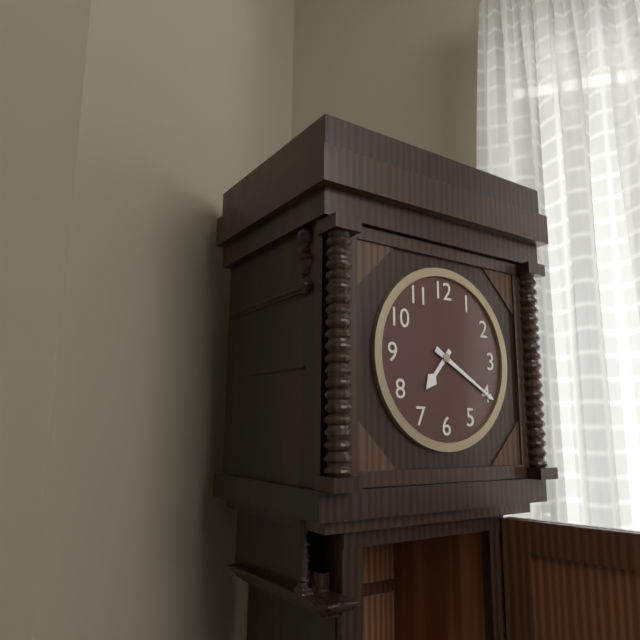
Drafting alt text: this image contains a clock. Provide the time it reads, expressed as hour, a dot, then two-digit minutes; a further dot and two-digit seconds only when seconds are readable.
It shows 7.20
